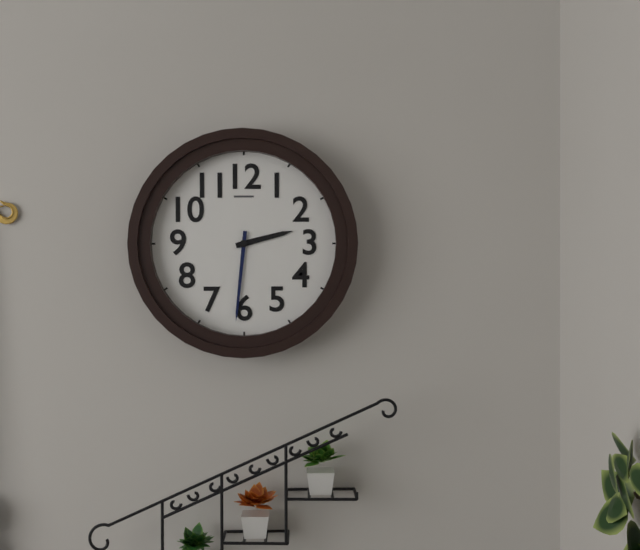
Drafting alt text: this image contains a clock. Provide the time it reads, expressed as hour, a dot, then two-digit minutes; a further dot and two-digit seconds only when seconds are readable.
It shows 2.31
